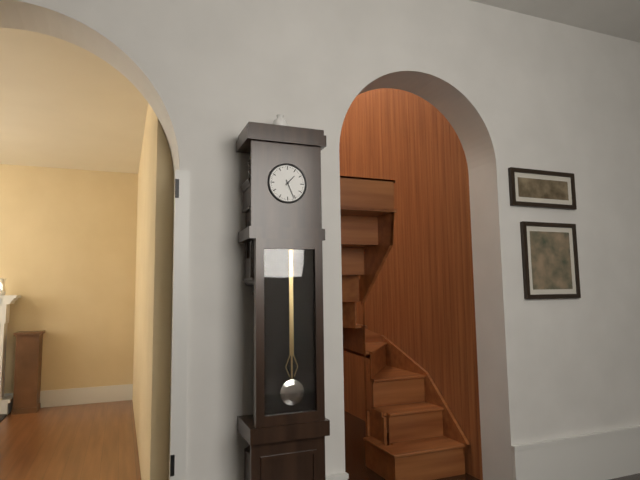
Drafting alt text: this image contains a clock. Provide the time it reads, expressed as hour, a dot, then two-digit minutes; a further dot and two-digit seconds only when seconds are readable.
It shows 1.26
